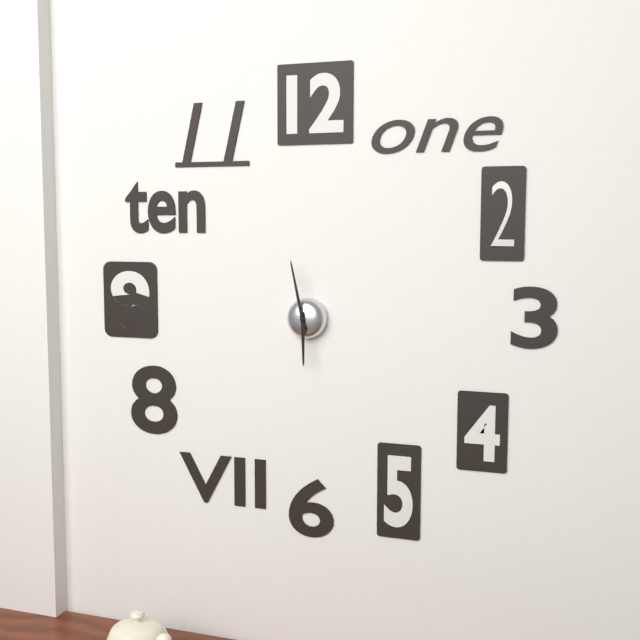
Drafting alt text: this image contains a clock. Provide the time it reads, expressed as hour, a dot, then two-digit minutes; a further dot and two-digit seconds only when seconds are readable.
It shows 5.58
